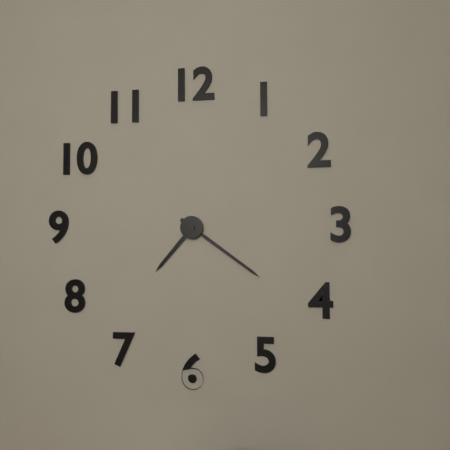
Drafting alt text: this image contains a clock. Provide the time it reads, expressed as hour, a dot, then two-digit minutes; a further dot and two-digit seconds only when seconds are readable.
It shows 7.21
